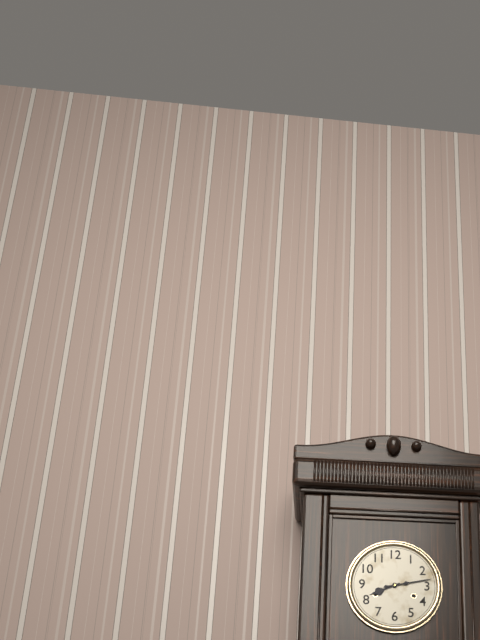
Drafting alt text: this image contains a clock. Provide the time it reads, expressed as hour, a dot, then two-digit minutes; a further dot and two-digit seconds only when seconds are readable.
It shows 8.13
